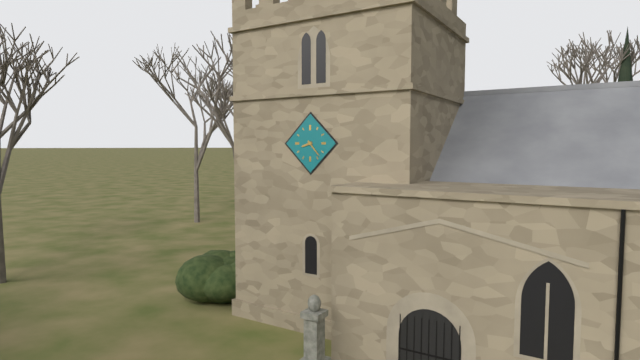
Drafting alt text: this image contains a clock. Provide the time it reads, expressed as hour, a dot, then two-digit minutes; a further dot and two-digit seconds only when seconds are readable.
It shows 8.23
